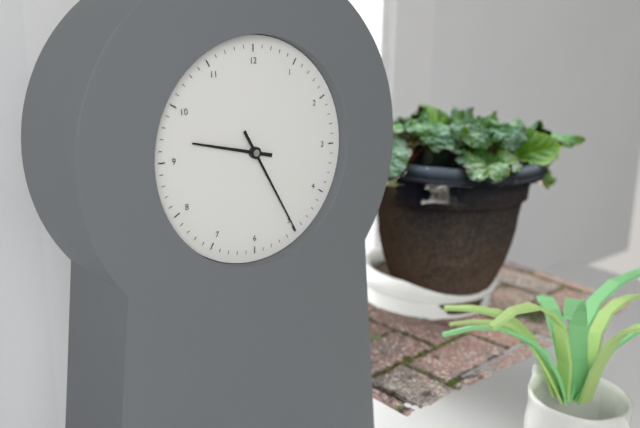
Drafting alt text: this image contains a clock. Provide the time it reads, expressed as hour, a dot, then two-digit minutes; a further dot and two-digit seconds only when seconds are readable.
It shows 9.25
